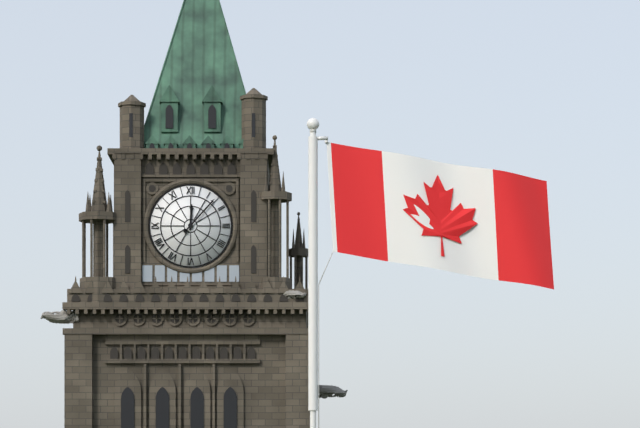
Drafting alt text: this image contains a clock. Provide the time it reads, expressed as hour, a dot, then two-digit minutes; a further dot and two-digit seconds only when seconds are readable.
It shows 12.07
